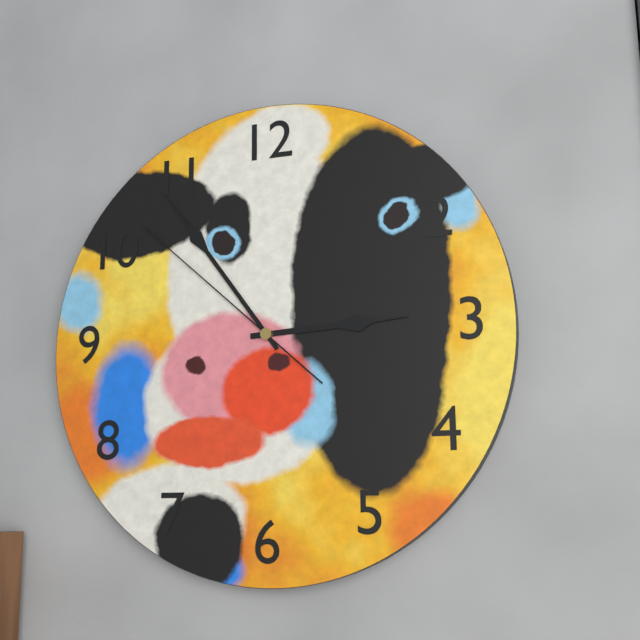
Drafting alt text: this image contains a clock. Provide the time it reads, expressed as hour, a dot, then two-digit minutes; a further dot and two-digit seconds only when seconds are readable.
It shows 2.54.52
